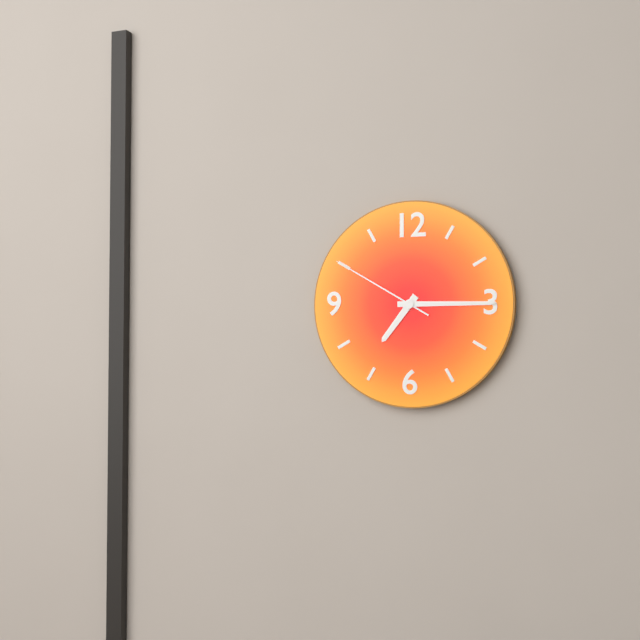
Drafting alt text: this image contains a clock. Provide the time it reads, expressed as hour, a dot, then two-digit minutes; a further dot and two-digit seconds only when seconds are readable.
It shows 7.15.50
